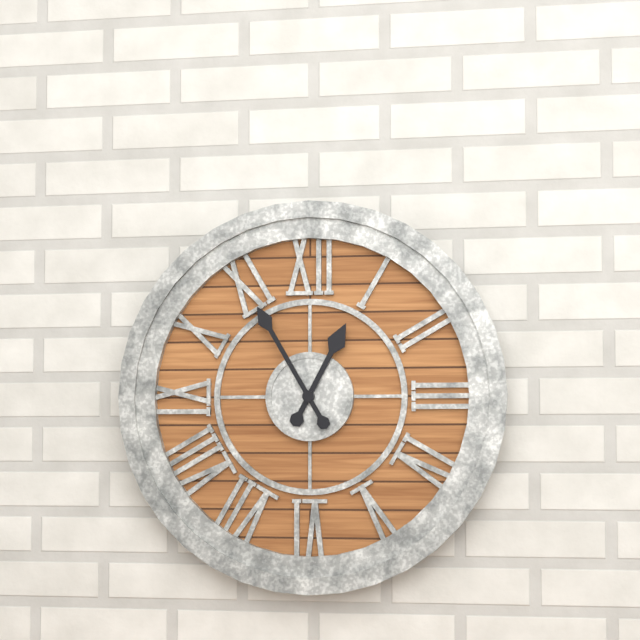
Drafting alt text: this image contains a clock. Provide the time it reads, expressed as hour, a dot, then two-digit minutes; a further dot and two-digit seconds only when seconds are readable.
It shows 12.55
